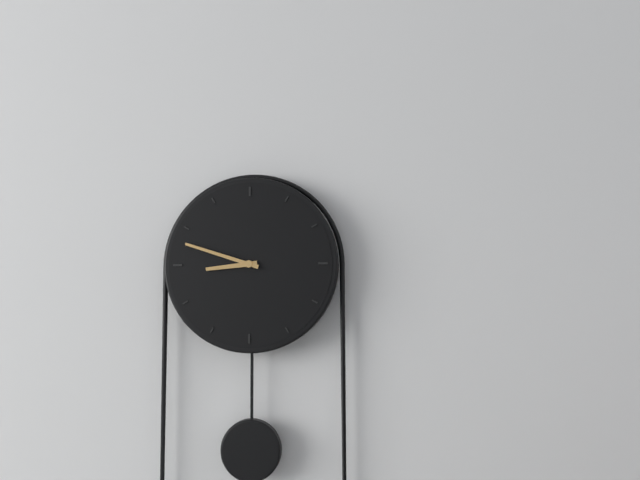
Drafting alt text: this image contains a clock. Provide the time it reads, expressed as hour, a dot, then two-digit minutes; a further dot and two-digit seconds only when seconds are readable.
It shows 8.48
